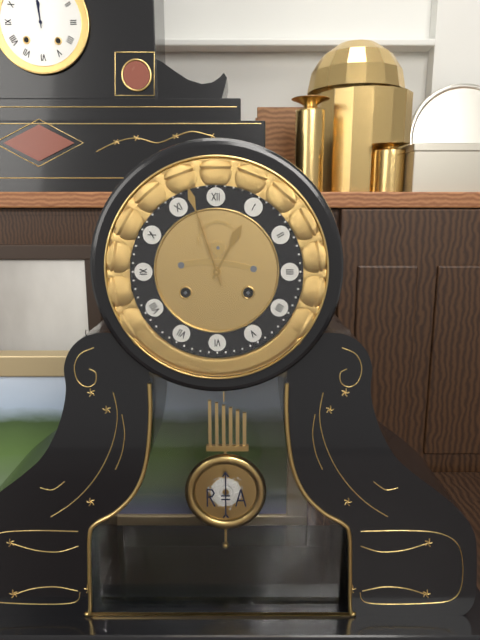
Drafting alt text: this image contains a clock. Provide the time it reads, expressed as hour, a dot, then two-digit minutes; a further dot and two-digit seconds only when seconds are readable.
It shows 12.57
